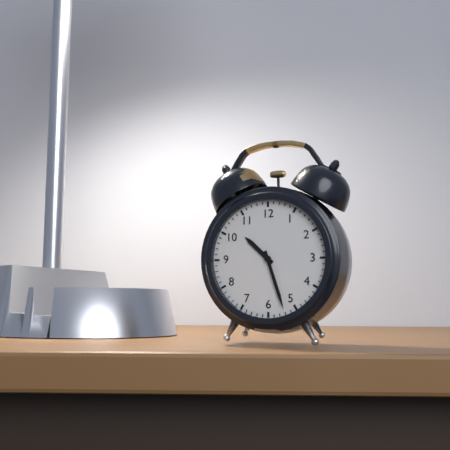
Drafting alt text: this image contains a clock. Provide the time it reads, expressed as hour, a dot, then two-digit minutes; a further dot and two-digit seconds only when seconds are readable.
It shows 10.27
